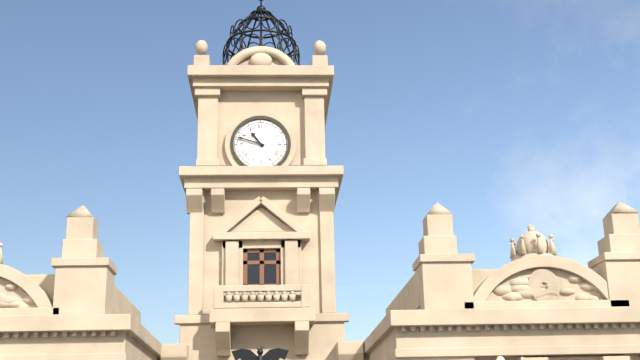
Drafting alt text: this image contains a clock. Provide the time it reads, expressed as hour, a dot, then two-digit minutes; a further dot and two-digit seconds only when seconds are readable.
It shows 10.48
